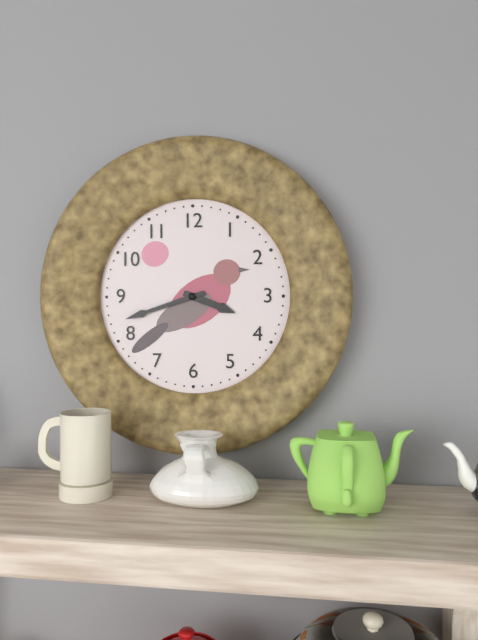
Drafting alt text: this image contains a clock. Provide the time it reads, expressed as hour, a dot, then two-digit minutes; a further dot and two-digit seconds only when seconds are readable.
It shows 3.42
